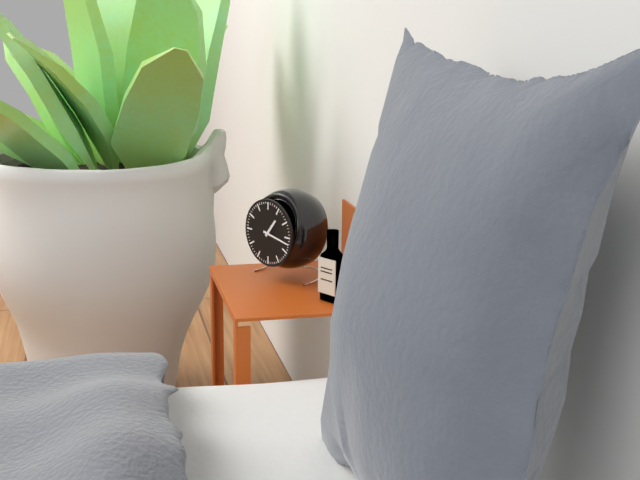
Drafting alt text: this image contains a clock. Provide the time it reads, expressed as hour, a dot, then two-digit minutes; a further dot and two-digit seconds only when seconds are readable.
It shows 1.17
